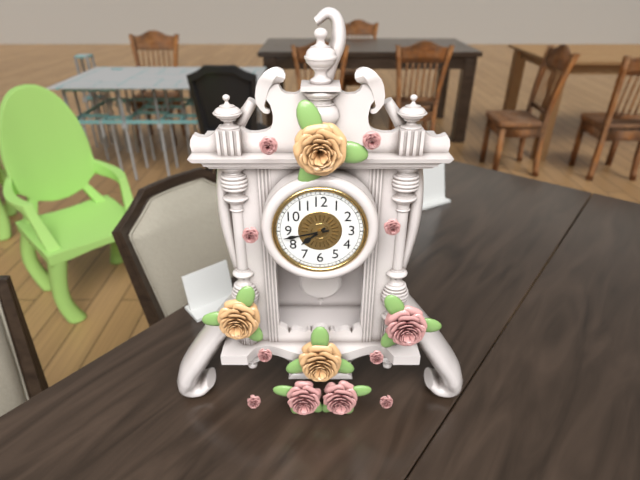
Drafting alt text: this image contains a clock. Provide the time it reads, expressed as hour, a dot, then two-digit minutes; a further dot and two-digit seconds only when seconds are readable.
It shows 7.43
